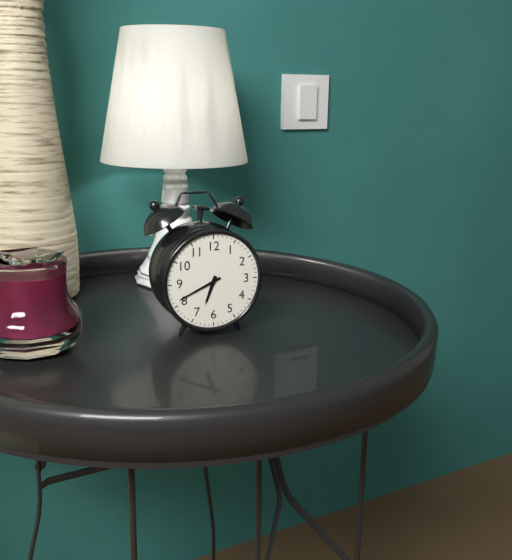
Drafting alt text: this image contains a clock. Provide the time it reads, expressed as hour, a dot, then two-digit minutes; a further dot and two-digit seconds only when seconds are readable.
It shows 6.41
